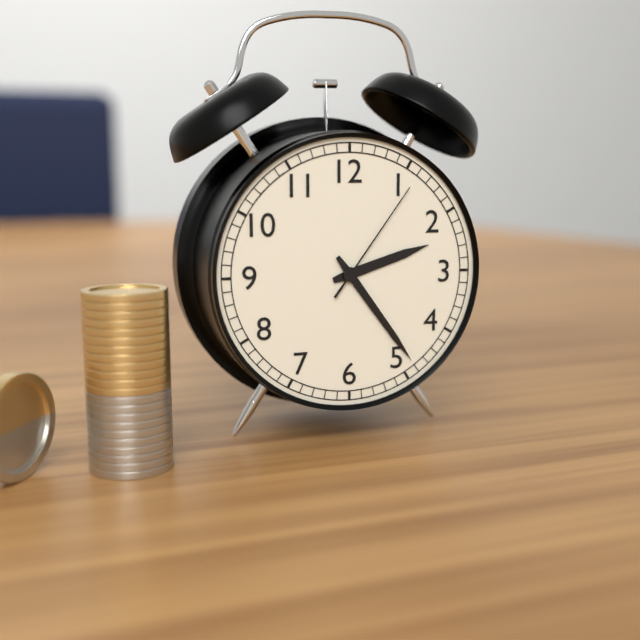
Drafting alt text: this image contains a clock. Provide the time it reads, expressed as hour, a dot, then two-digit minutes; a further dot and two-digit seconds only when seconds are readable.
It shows 2.24.06
